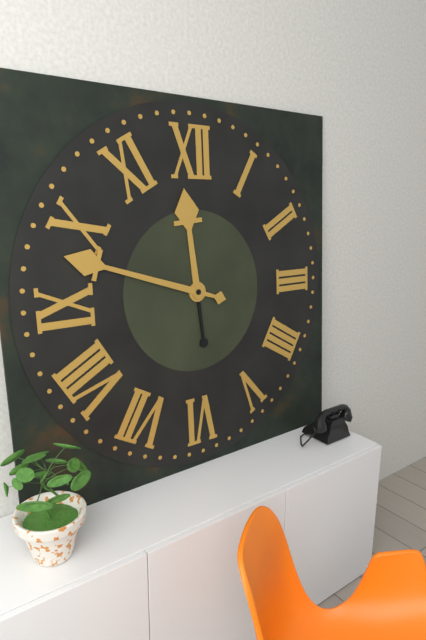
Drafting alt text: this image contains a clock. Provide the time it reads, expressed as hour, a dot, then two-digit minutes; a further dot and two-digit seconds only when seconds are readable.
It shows 11.48
